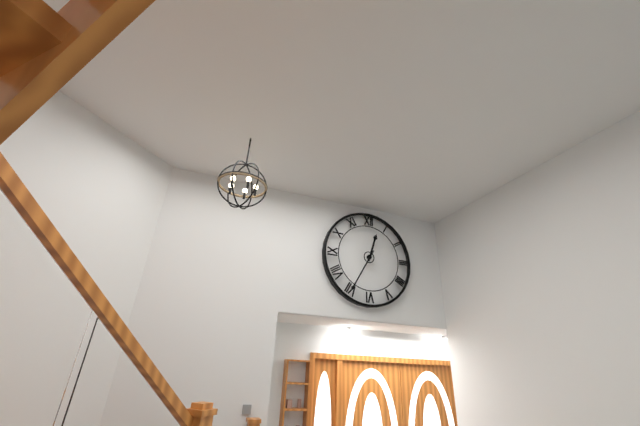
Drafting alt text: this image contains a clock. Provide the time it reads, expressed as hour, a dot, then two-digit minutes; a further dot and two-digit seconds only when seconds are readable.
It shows 12.35
